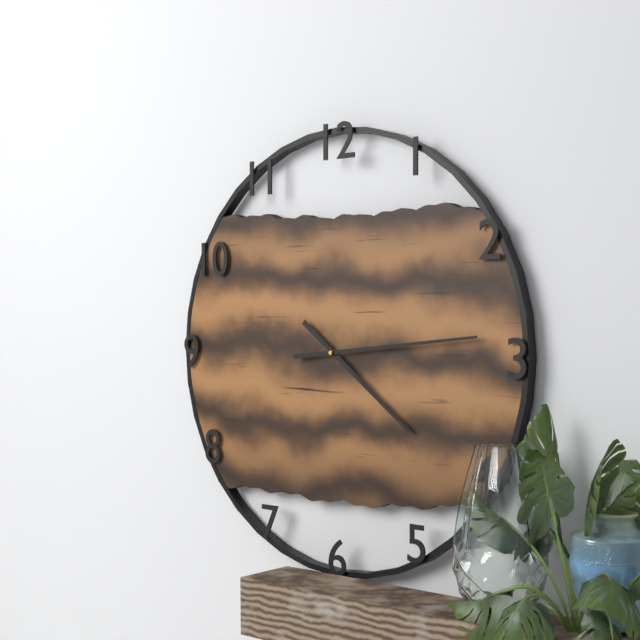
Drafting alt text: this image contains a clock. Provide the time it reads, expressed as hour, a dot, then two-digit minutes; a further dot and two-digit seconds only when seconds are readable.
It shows 4.14
